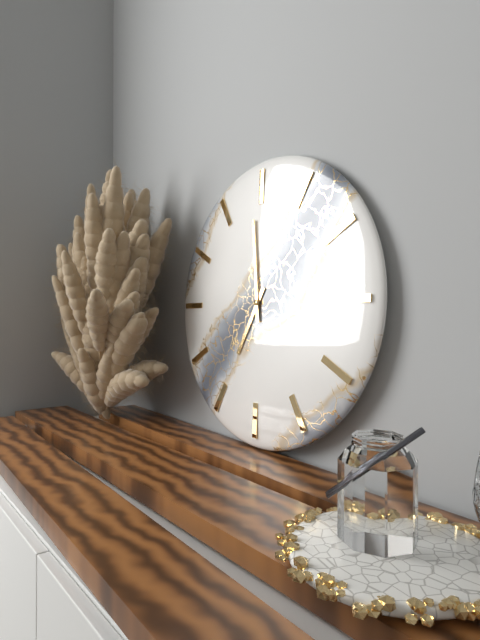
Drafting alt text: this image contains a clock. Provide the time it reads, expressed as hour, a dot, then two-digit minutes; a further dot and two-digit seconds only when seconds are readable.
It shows 6.59
